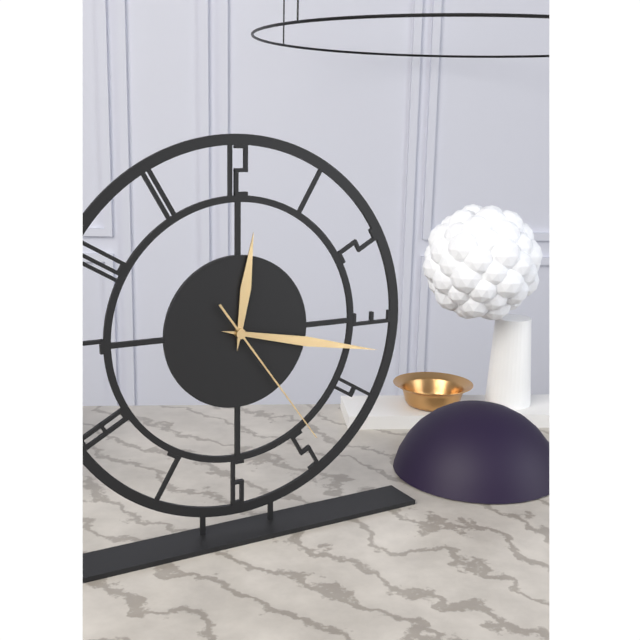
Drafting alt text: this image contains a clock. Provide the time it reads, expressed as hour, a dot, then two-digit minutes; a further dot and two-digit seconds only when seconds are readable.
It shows 12.17.24
